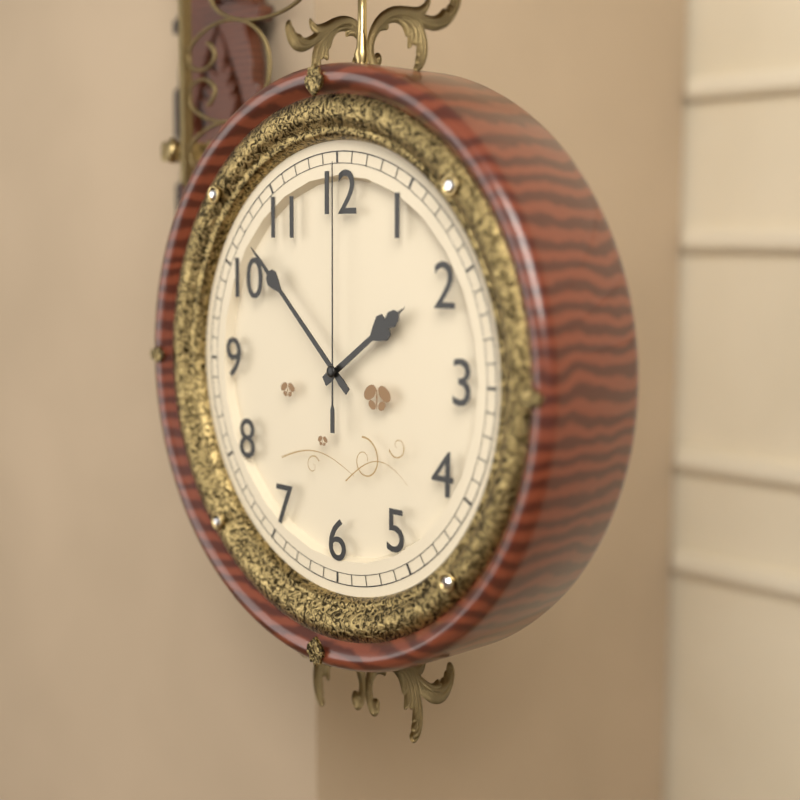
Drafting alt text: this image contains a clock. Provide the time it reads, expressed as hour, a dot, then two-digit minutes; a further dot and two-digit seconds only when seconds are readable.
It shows 1.52.00
